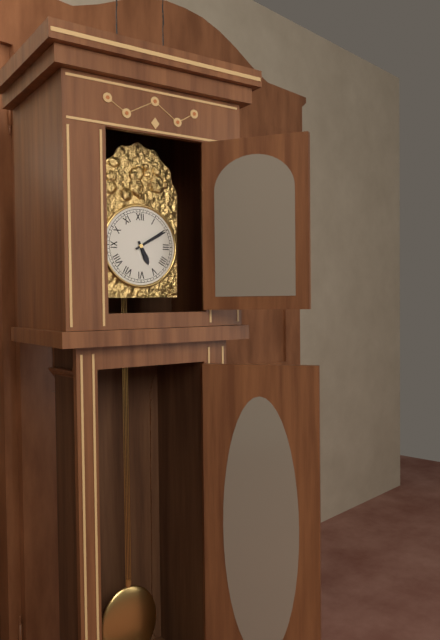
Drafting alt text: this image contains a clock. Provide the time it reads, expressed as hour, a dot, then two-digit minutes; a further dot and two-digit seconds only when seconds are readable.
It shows 5.10
